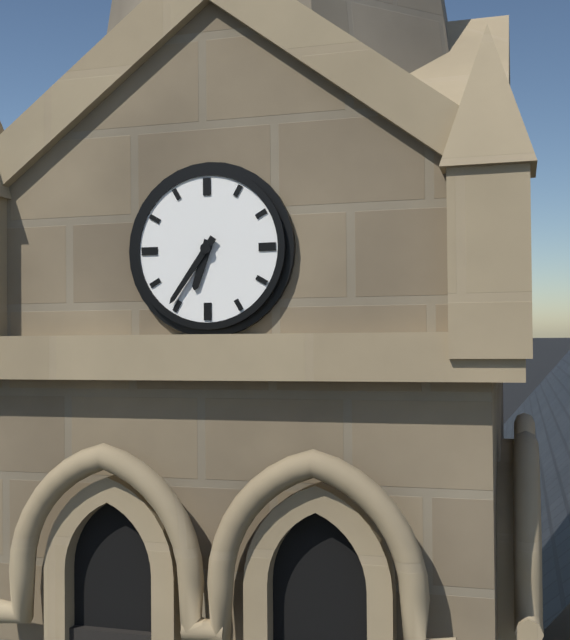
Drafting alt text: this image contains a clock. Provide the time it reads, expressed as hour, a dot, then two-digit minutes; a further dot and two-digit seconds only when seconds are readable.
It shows 6.36
